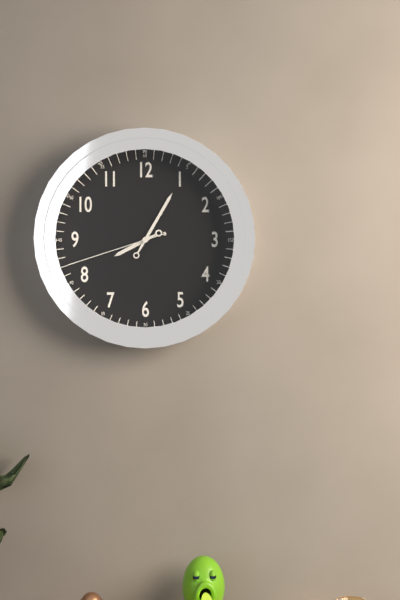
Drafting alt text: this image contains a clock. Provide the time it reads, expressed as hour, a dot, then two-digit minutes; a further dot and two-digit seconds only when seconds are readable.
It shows 8.05.42
